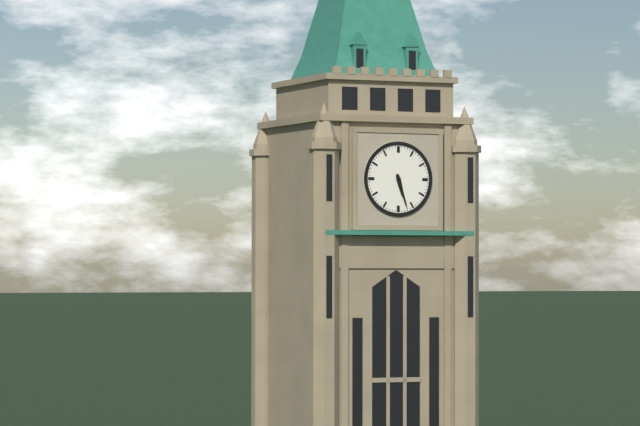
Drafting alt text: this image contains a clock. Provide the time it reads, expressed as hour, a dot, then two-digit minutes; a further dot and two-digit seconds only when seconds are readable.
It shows 5.27
